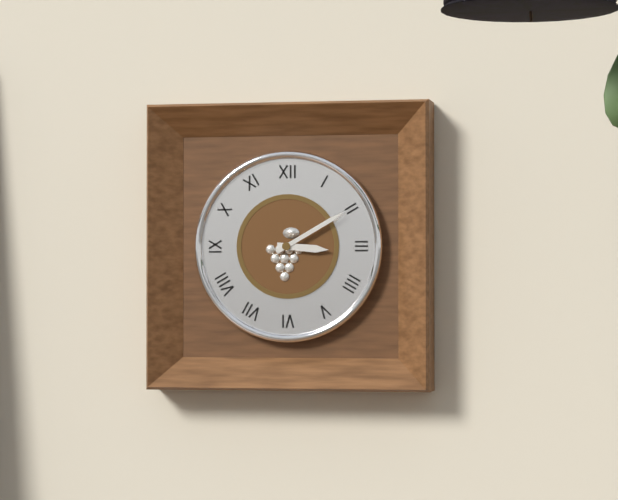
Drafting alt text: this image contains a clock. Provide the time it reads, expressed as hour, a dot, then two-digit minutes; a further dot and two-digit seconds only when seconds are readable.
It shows 3.10
